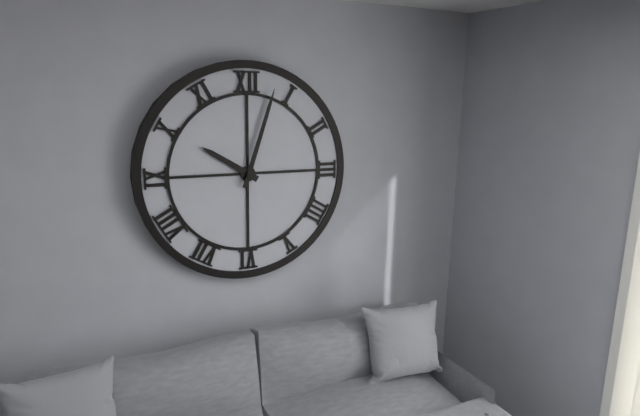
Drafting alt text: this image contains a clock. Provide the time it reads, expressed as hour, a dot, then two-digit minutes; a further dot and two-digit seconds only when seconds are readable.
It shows 10.03
